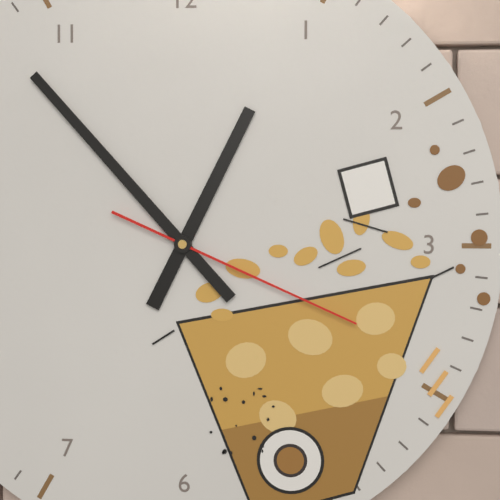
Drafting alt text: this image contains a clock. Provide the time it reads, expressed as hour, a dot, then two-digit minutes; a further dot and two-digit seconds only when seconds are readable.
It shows 12.53.19
